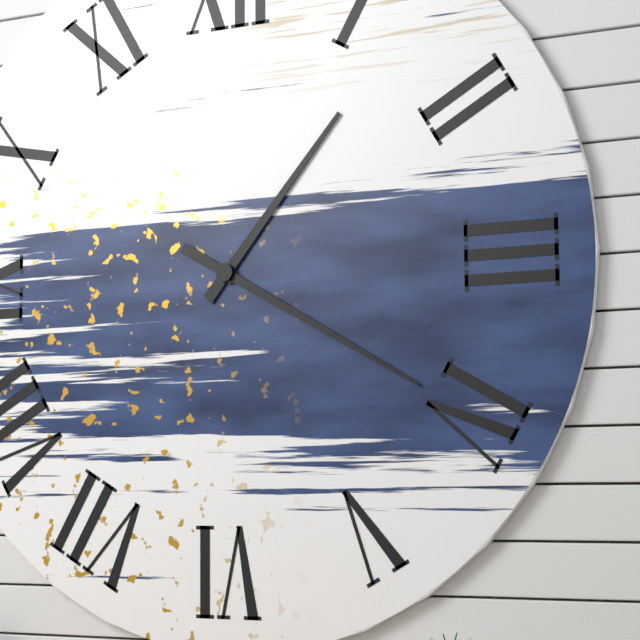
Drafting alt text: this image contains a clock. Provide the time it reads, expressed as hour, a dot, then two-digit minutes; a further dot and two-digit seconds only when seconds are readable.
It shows 1.20
